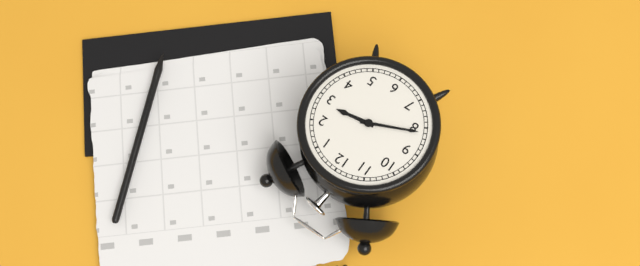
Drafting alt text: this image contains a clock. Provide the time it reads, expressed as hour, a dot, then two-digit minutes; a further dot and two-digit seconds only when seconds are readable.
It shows 2.41
